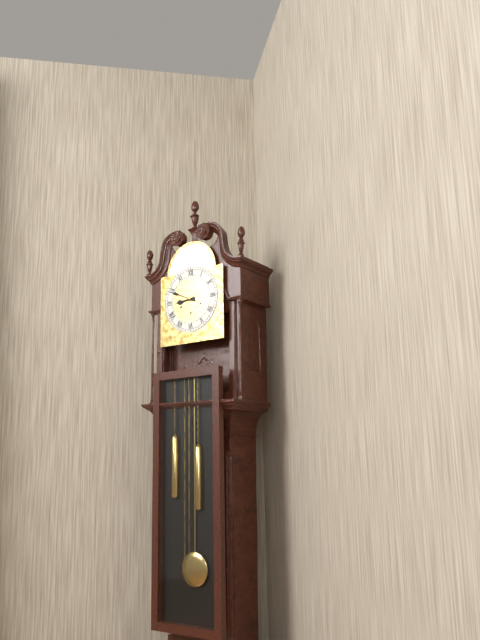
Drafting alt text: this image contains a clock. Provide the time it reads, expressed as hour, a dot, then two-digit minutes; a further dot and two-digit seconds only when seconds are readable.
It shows 8.49
